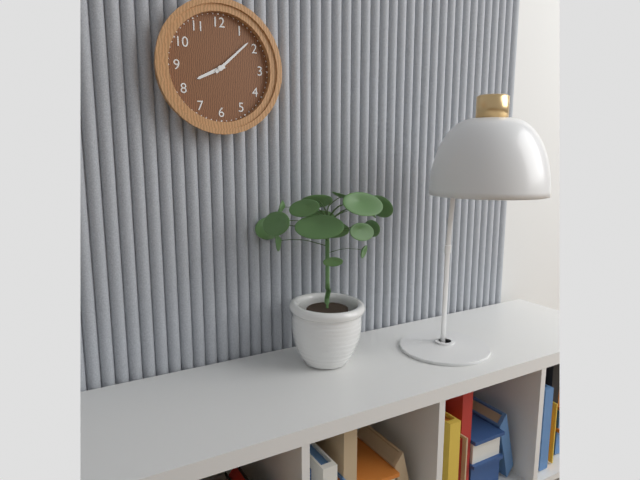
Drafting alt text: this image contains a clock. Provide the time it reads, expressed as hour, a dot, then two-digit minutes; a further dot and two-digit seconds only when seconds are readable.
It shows 8.08
